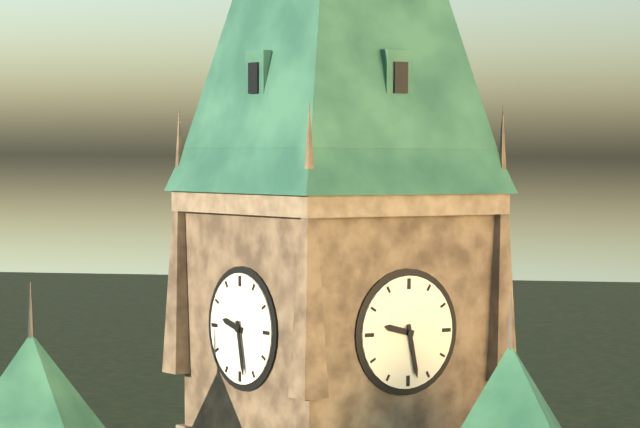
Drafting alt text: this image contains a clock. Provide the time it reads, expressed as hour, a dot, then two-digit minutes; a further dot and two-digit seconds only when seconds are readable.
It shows 9.28
